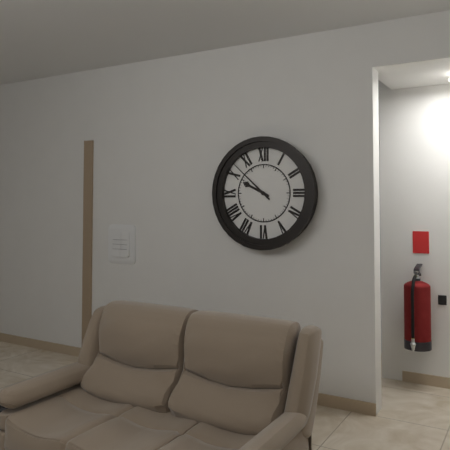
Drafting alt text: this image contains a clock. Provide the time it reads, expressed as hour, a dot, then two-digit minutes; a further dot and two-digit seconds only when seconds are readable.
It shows 9.52
